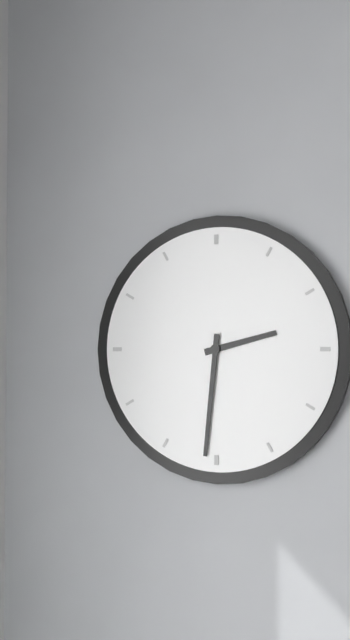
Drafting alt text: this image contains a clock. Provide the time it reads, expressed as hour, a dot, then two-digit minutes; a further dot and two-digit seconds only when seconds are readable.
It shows 2.31
